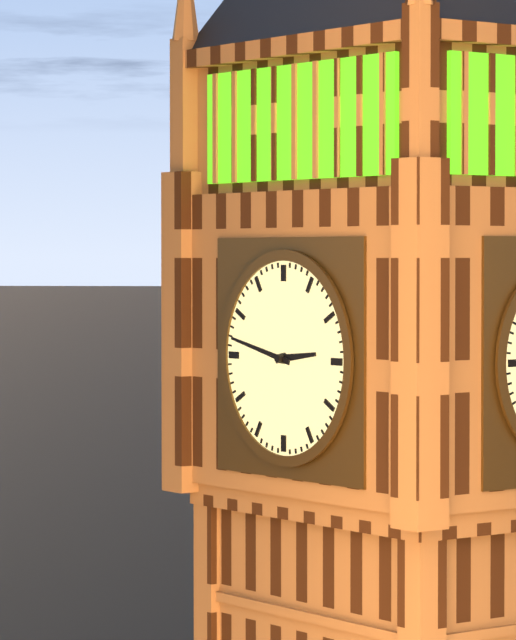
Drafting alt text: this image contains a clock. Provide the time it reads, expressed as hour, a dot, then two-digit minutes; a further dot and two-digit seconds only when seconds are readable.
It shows 2.47
